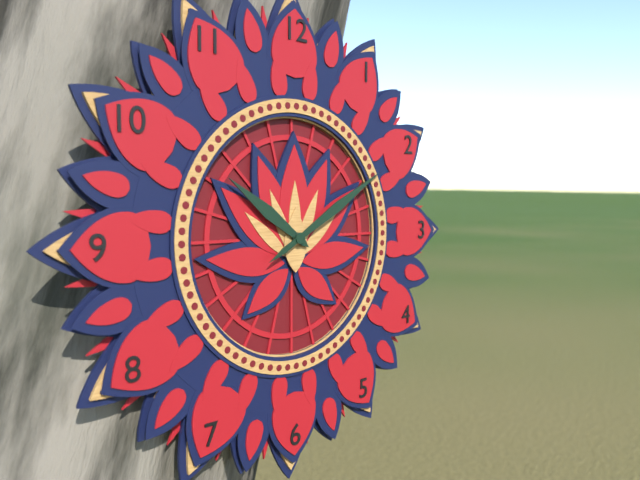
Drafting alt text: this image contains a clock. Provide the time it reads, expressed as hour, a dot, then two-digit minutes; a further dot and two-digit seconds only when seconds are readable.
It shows 10.10
